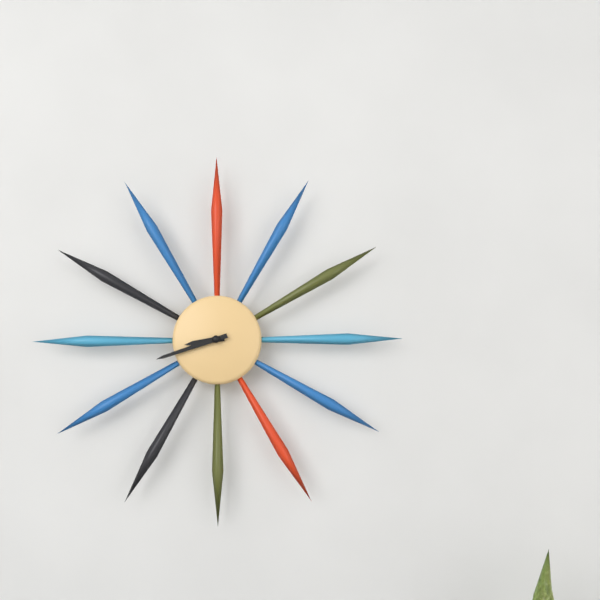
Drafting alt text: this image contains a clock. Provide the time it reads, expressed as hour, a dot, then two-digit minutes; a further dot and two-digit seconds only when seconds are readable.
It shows 8.42
